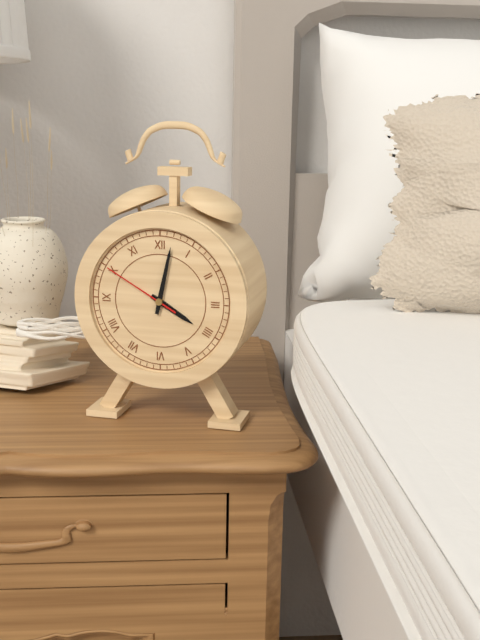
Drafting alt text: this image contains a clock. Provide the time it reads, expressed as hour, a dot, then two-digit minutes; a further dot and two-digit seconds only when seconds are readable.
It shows 4.02.50
